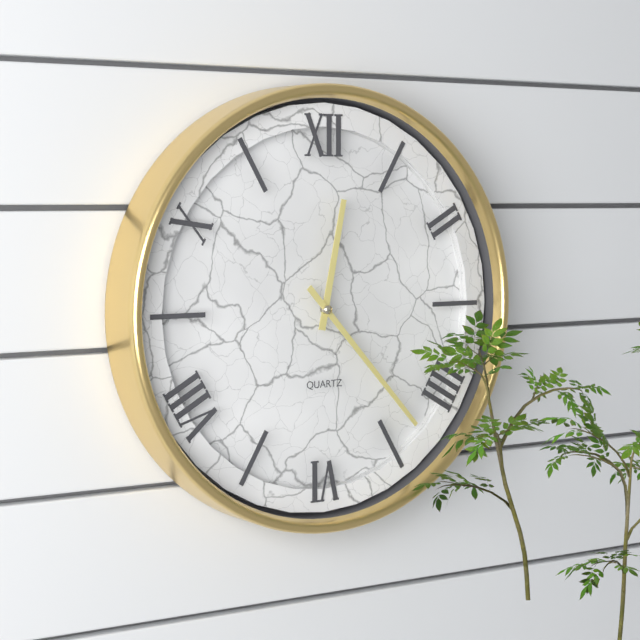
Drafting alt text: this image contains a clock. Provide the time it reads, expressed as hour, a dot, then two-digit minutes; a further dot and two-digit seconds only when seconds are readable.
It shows 12.23
